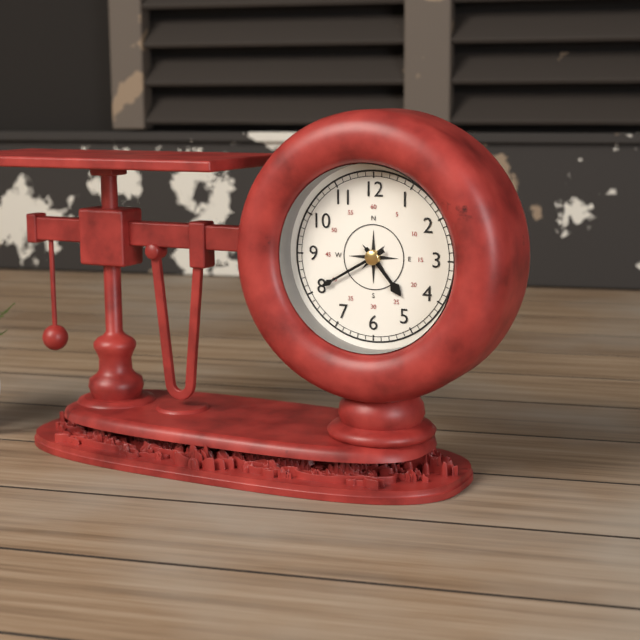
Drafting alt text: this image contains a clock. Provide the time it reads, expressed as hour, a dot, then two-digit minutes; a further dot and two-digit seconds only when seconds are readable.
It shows 4.40
